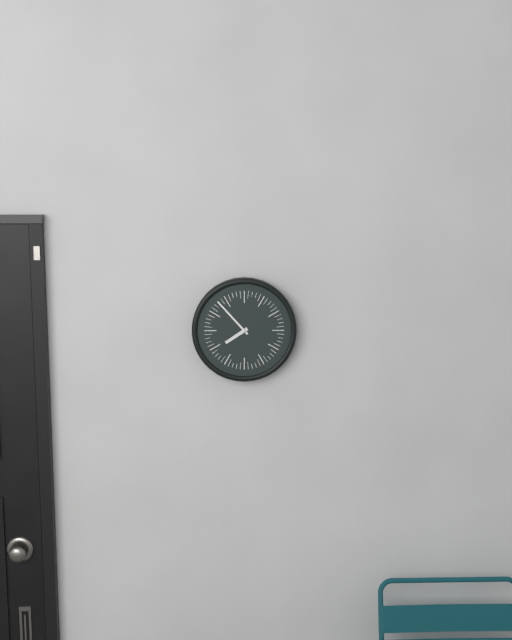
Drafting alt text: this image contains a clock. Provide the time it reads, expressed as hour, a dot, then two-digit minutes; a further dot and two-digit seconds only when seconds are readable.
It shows 7.53
